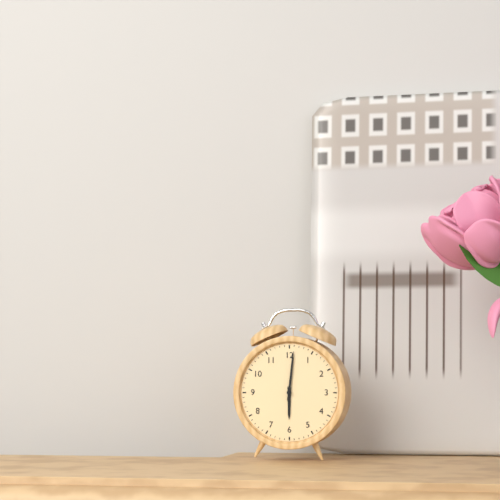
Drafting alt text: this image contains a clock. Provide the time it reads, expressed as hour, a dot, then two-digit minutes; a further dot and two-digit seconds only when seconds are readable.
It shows 6.01
